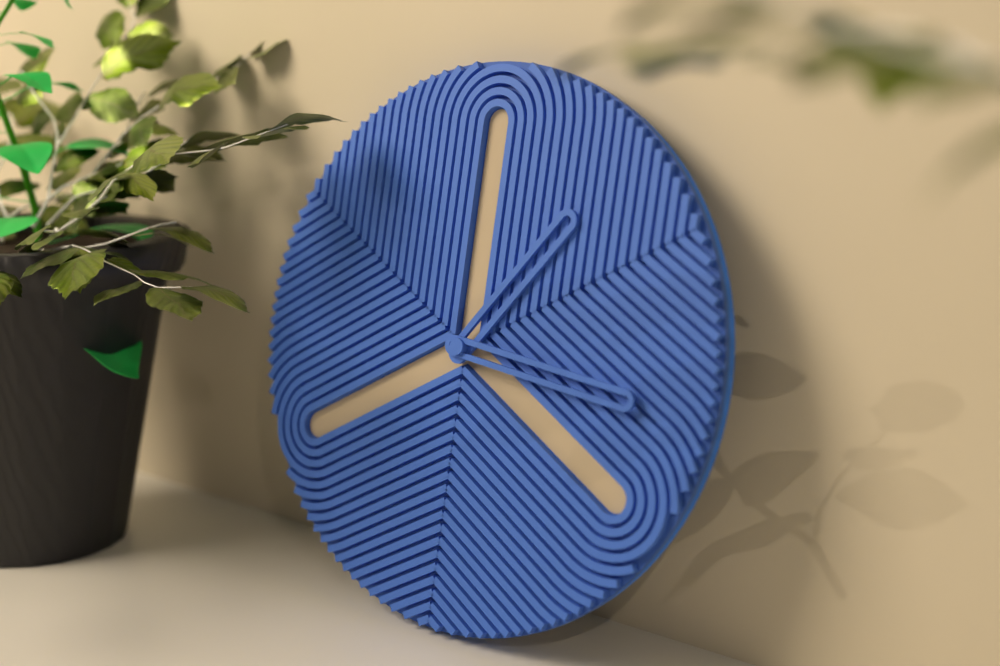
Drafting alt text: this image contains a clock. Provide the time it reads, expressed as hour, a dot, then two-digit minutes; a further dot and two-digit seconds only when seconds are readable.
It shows 1.16
